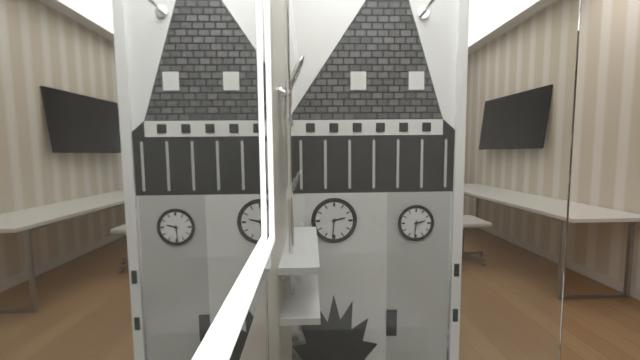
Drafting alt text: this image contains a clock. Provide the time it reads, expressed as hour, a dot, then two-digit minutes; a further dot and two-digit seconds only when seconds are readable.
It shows 2.31
